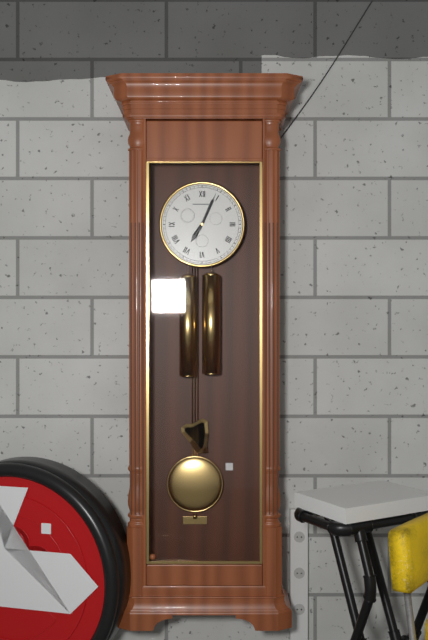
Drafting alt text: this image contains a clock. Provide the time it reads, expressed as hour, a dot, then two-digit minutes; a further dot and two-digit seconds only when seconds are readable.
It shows 7.04
